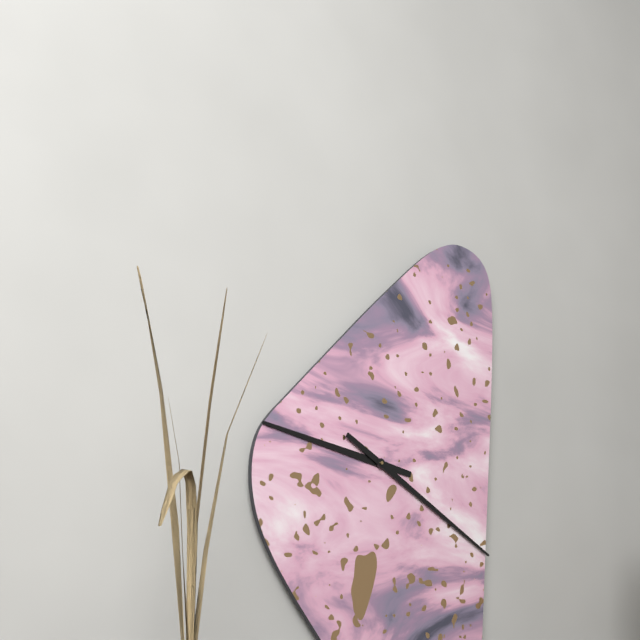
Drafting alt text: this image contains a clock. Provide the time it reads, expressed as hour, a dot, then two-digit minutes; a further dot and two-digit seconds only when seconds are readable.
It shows 9.20
